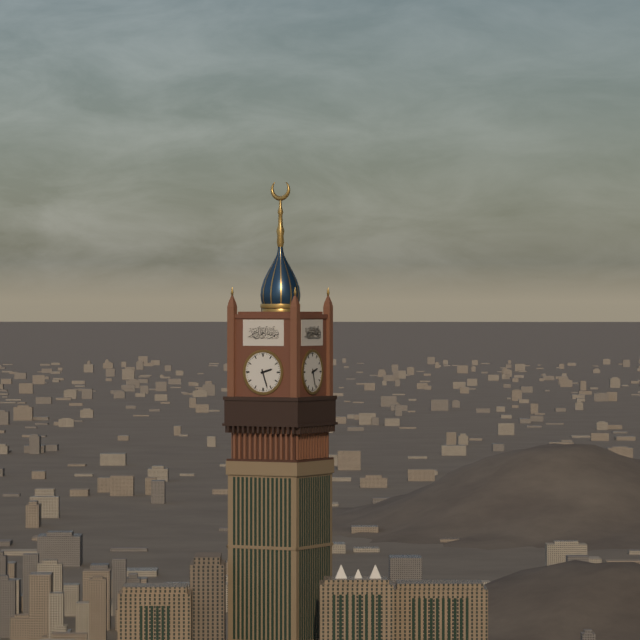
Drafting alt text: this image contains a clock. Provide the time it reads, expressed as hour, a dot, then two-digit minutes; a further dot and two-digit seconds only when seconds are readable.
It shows 2.27
